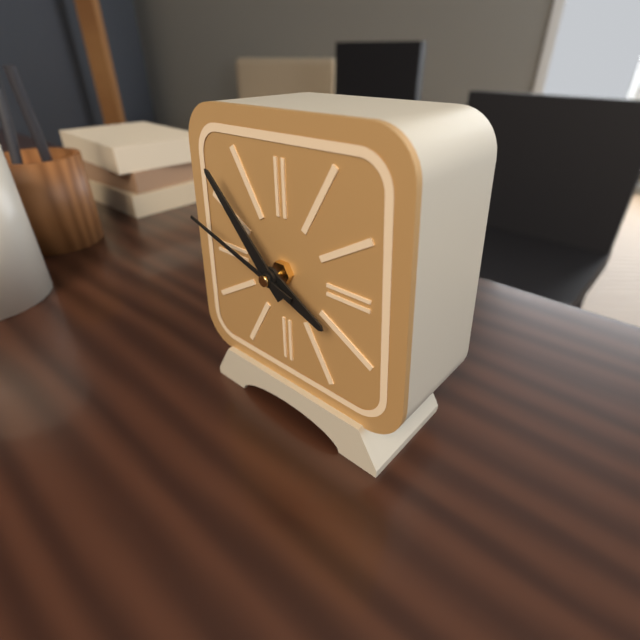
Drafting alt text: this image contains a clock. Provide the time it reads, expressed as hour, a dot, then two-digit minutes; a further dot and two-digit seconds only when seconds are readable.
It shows 3.53.48
